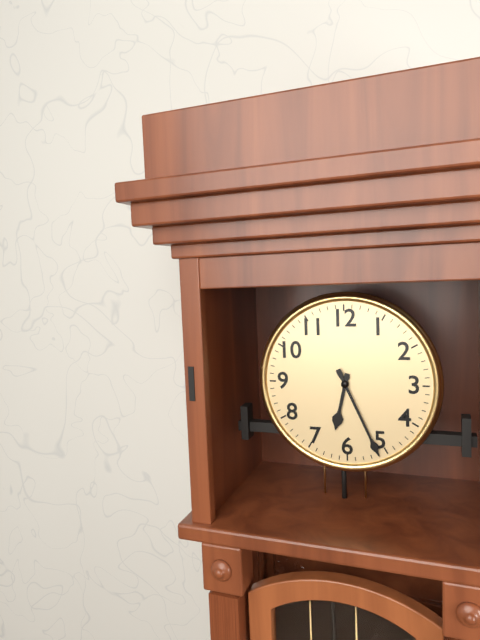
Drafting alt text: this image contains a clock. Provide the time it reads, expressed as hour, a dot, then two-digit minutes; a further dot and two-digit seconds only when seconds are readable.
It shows 6.26
